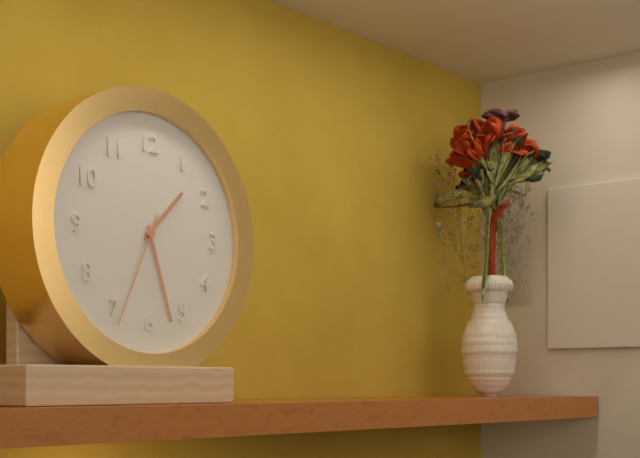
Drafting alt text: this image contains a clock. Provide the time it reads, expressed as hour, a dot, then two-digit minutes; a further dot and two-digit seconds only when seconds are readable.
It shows 1.27.34
